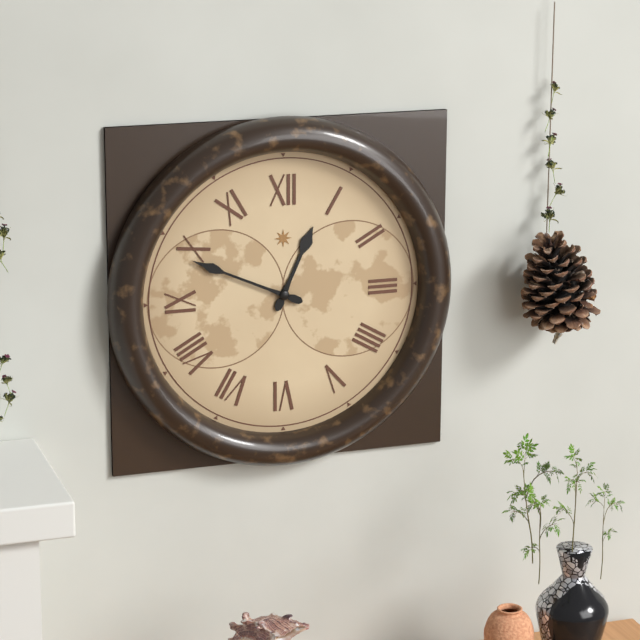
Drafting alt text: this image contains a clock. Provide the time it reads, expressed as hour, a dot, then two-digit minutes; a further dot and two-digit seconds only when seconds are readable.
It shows 12.49
